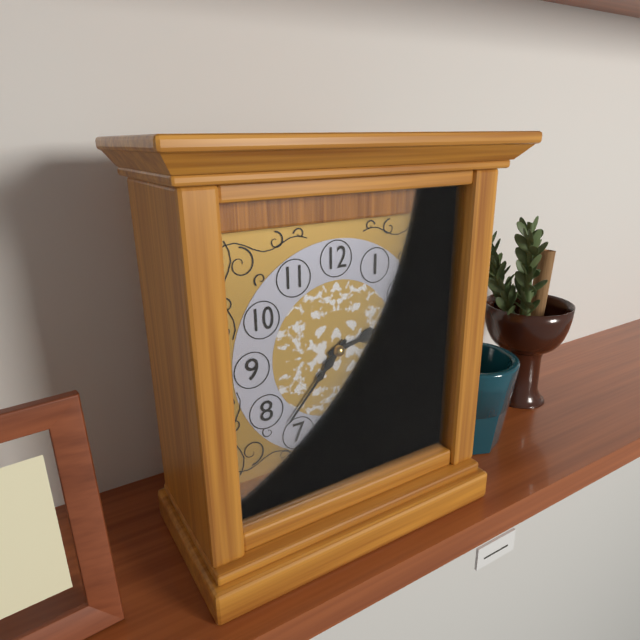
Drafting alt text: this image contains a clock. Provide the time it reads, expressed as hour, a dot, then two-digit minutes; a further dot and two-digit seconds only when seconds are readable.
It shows 2.37
